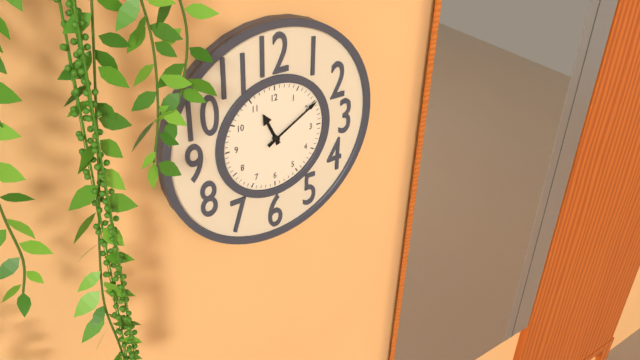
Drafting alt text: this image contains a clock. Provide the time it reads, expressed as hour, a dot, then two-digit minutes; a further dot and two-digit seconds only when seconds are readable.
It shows 11.10
